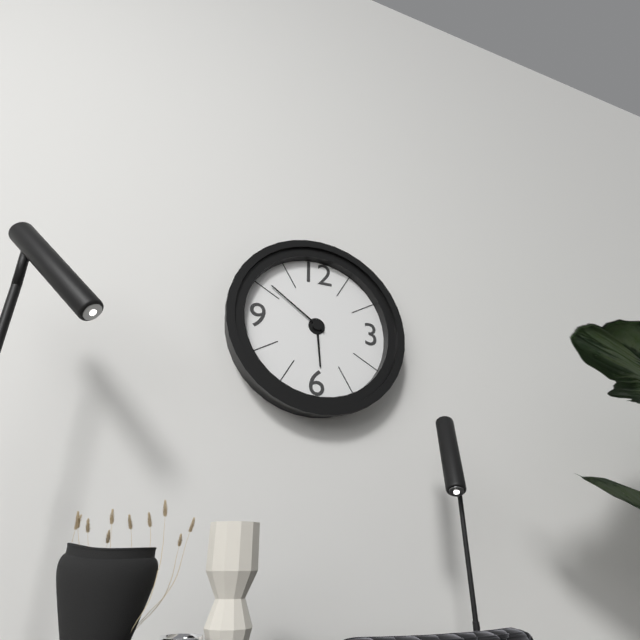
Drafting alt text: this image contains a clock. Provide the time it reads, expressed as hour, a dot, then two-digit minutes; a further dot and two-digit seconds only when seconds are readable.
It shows 5.51
